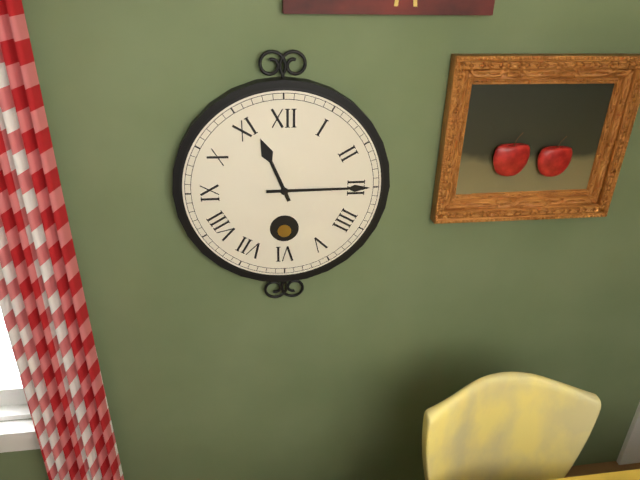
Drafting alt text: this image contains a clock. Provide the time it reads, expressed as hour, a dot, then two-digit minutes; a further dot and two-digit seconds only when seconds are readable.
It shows 11.15
